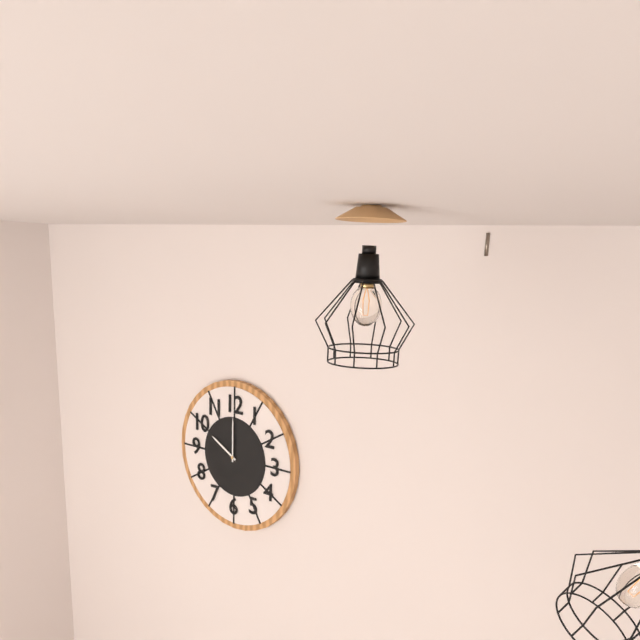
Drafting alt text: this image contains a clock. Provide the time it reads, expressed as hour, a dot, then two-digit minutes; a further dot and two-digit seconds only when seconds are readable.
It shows 10.00
